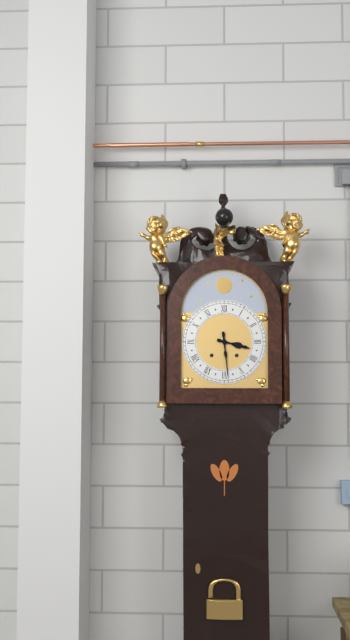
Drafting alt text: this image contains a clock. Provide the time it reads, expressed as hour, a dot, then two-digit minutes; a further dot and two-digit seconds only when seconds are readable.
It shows 3.29
